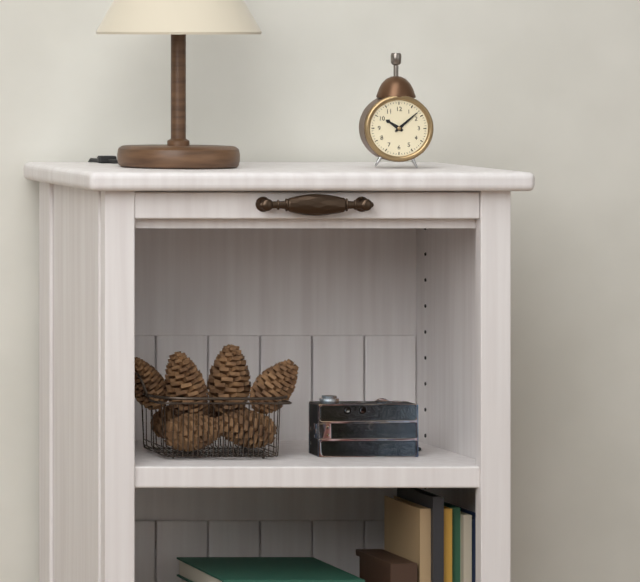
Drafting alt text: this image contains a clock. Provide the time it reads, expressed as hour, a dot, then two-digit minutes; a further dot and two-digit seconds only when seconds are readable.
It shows 10.08
